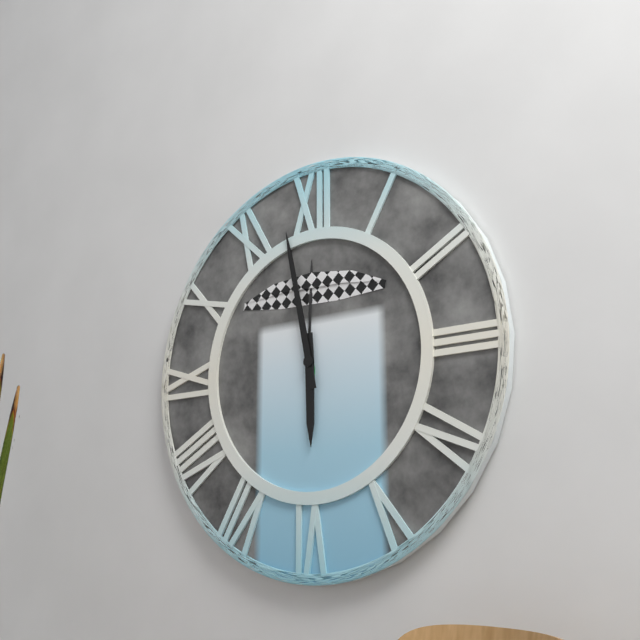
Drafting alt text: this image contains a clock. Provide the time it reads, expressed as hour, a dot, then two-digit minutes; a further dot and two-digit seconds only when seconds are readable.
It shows 5.58
